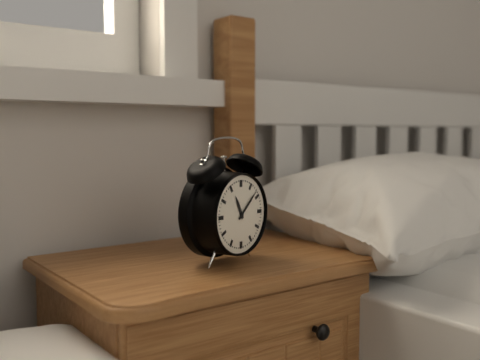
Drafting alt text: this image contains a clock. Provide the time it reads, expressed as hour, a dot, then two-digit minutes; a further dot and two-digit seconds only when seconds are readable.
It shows 11.08
